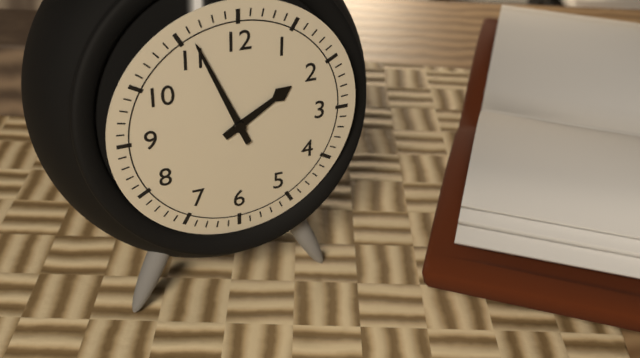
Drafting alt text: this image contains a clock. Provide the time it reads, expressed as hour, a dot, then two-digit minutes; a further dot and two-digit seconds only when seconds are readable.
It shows 1.56
